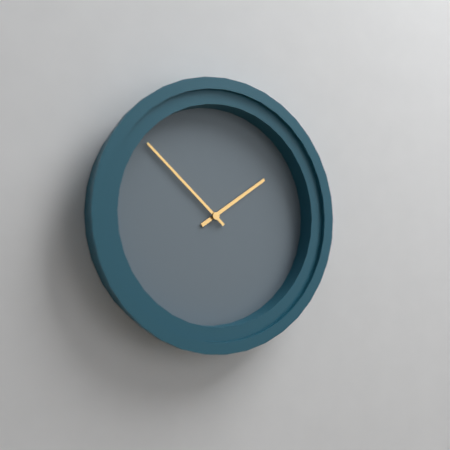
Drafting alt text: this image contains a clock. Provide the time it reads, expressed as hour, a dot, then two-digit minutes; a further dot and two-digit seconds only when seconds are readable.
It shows 1.52
